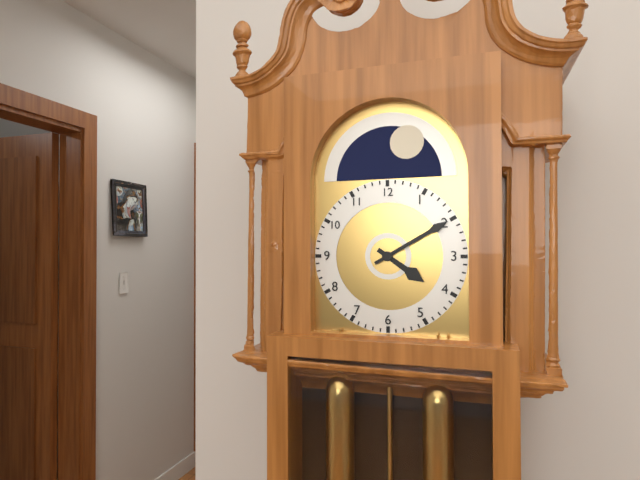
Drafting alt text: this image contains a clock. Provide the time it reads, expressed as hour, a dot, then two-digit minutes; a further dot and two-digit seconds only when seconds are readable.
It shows 4.10
